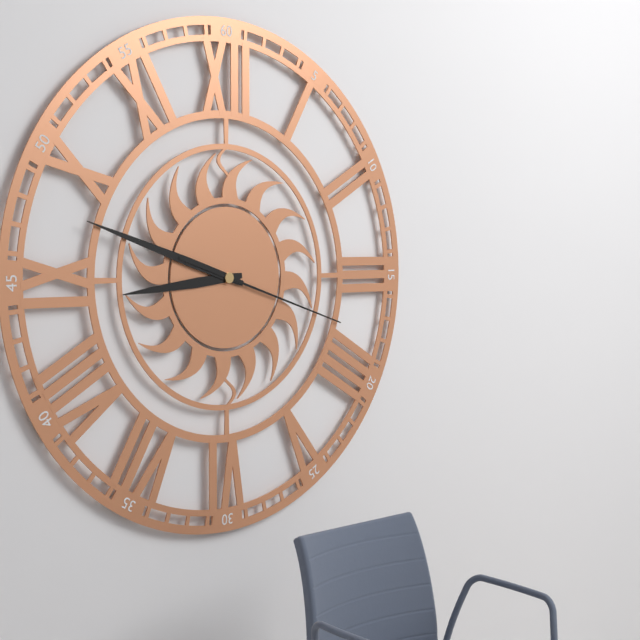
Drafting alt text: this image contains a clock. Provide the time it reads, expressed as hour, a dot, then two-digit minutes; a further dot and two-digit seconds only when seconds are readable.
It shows 8.48.18
